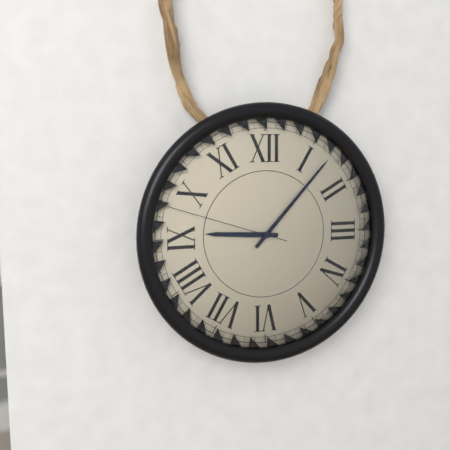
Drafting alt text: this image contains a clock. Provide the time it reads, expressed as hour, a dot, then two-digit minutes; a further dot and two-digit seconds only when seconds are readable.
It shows 9.07.48
